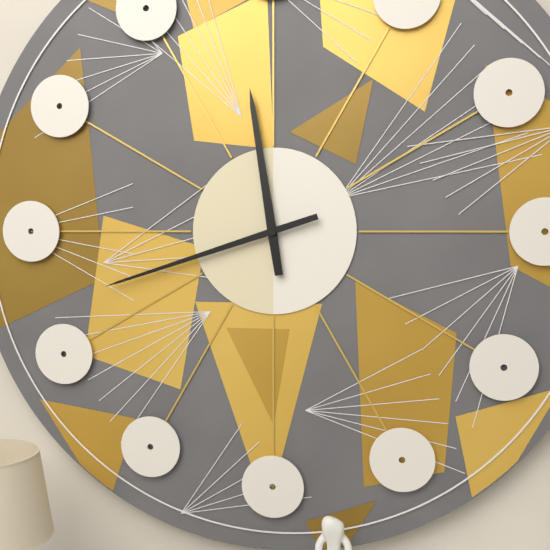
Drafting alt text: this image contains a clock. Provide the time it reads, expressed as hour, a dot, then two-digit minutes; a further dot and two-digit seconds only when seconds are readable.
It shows 11.42
